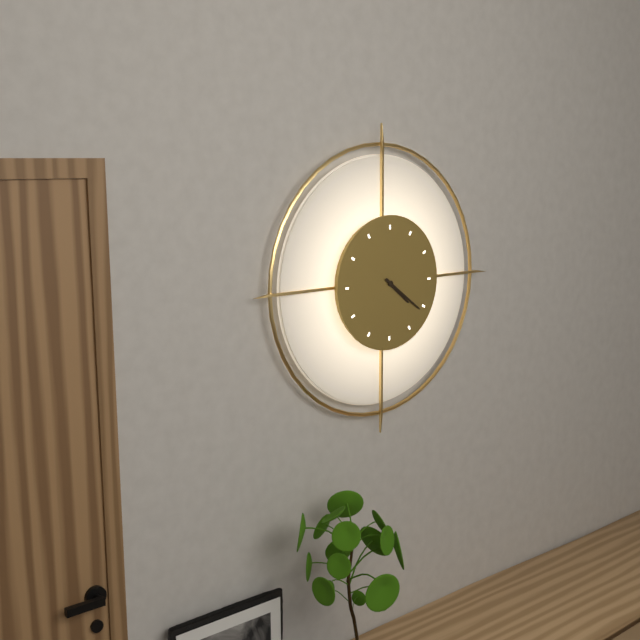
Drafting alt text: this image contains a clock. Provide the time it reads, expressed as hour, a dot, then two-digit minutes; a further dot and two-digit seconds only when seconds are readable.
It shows 4.21
